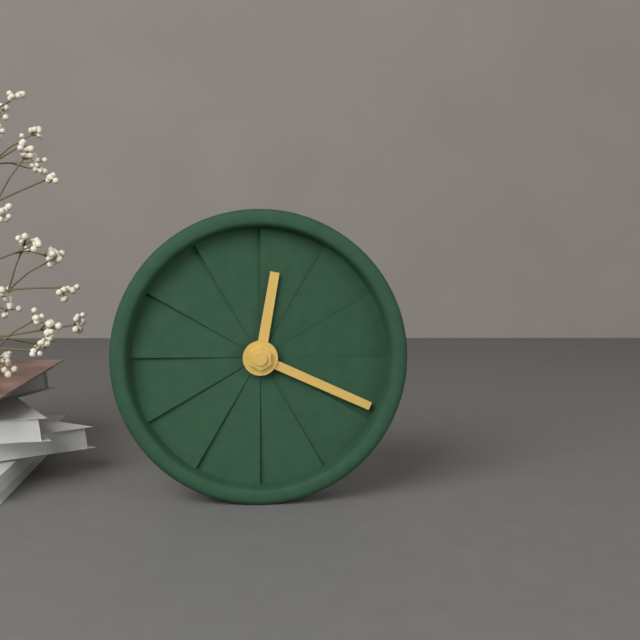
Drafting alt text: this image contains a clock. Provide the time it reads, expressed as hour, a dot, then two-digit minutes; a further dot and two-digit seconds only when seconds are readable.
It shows 12.19
